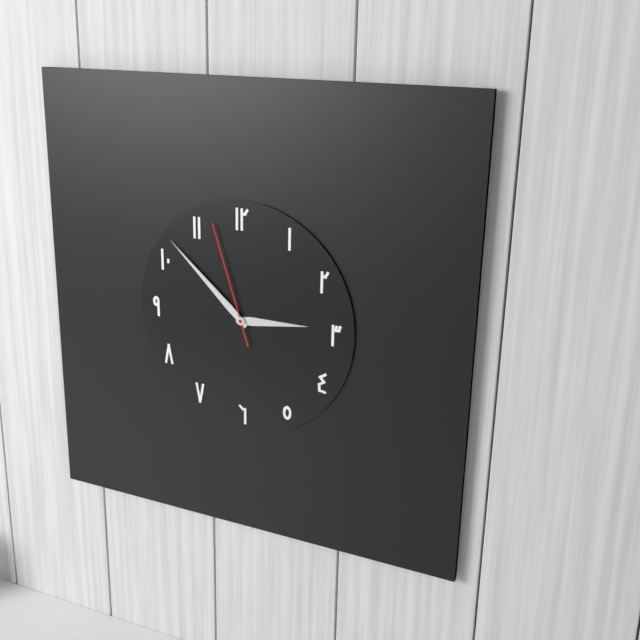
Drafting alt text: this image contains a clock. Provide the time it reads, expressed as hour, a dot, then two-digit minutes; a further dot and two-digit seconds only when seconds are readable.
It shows 2.52.57
